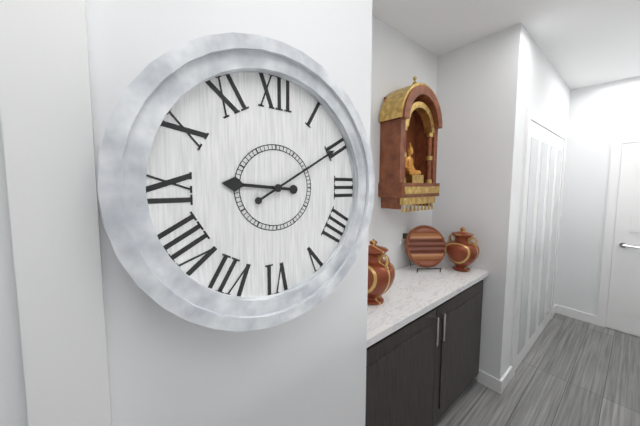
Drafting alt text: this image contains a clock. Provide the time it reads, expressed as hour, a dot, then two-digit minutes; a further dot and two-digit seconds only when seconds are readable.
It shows 9.10
